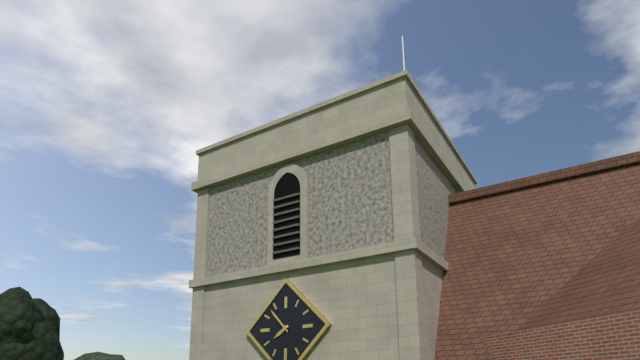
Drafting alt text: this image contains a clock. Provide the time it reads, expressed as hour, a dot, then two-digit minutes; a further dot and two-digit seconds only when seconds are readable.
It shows 7.53
